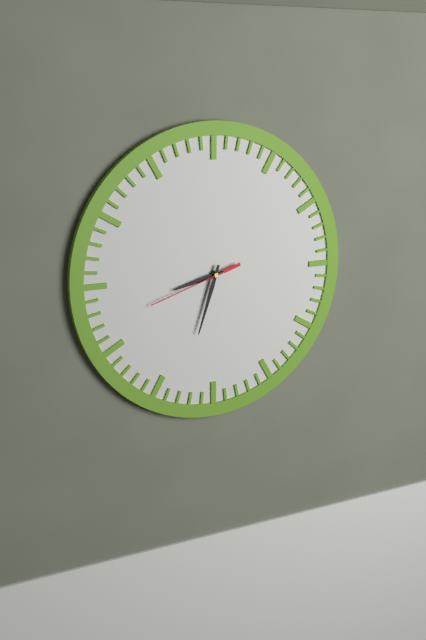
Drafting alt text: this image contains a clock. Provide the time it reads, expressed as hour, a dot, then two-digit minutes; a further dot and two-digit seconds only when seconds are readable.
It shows 8.33.42
